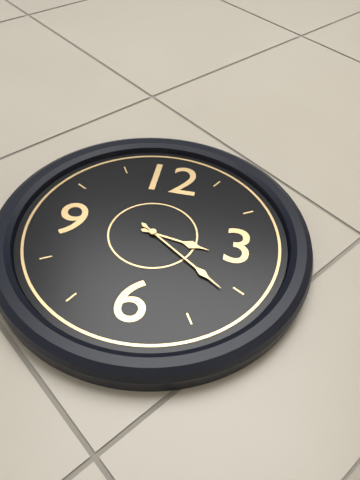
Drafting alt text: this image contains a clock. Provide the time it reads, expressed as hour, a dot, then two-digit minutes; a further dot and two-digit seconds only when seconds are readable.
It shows 3.21
